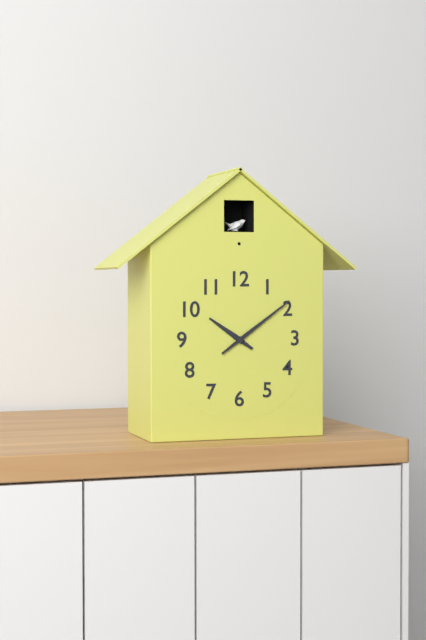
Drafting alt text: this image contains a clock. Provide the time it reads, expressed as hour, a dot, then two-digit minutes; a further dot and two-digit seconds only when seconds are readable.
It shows 10.09
